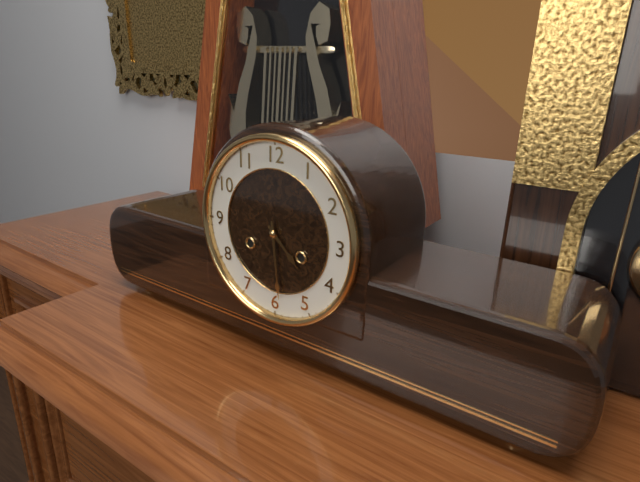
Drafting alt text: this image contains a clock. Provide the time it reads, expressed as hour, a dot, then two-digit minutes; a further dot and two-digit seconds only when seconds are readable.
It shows 4.29
